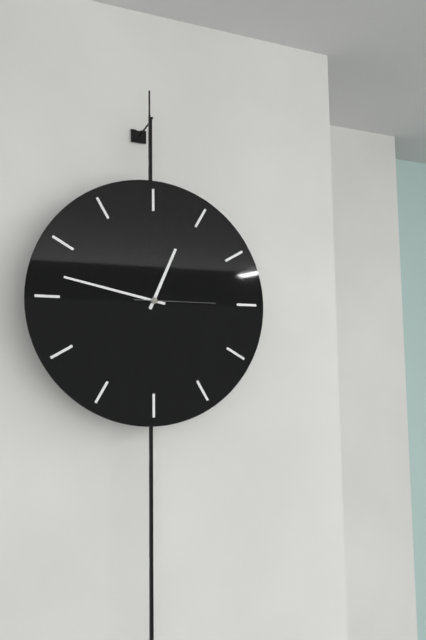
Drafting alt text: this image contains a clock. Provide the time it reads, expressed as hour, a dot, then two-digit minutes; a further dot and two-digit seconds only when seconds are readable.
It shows 12.47.15
